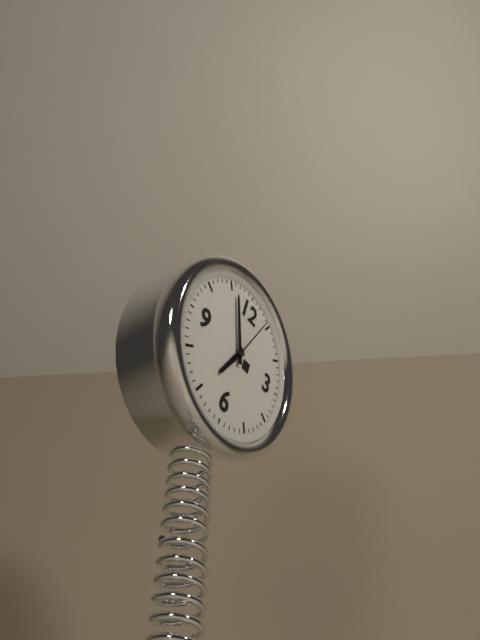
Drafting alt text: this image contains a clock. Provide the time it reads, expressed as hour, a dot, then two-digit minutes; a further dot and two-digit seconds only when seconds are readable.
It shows 6.56.04
